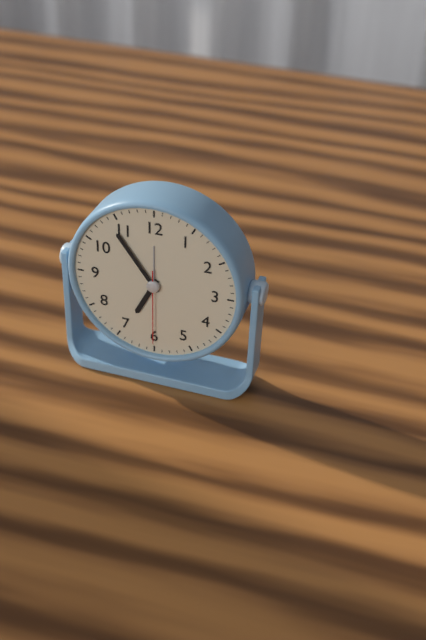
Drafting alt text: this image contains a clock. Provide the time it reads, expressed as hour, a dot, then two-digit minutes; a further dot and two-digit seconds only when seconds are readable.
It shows 6.54.30
